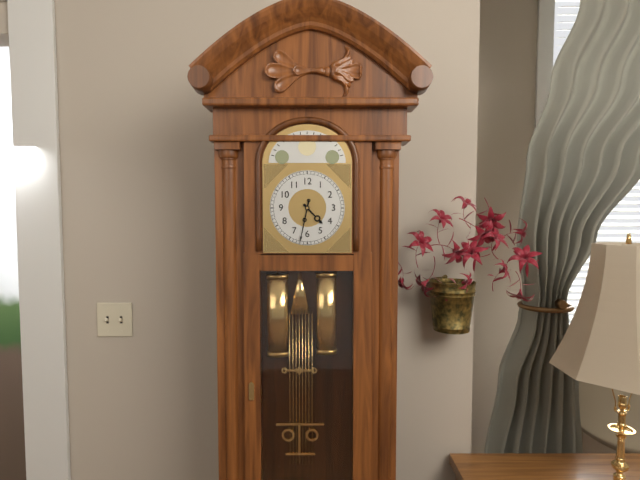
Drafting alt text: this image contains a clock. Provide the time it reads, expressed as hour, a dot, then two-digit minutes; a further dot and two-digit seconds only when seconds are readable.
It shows 4.32
